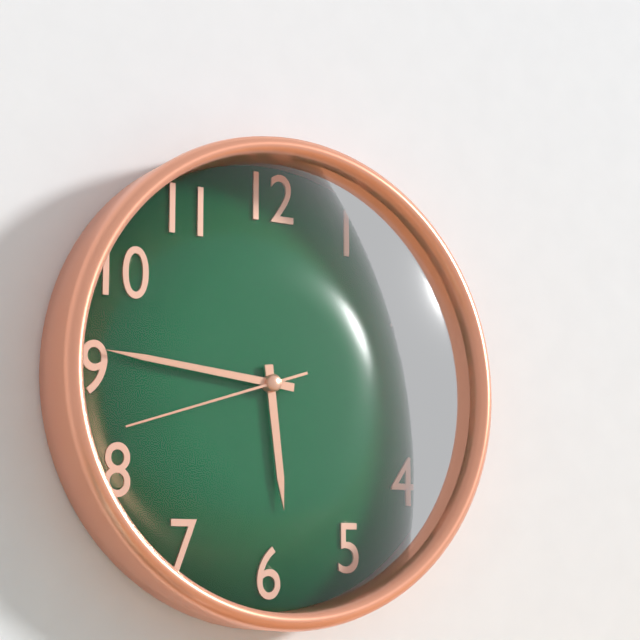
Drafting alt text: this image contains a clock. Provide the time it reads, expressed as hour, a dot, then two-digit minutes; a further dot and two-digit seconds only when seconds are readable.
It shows 5.46.42
